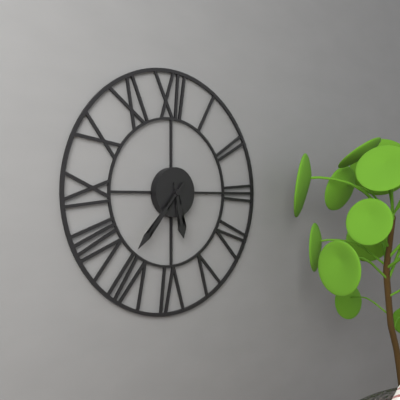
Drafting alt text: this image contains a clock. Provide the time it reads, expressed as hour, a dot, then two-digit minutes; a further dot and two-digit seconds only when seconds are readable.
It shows 5.37
